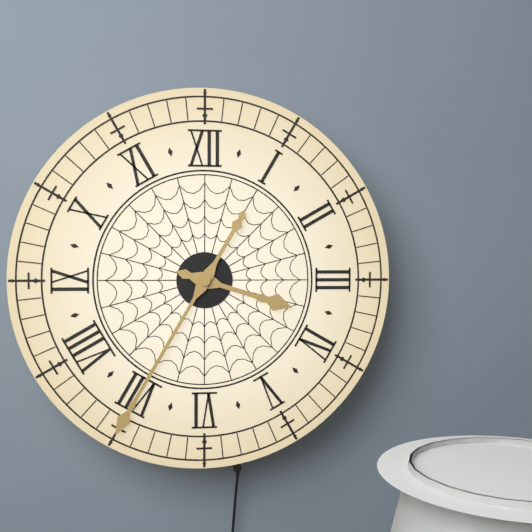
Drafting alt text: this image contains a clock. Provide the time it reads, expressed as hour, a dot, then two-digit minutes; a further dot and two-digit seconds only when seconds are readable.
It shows 3.35
